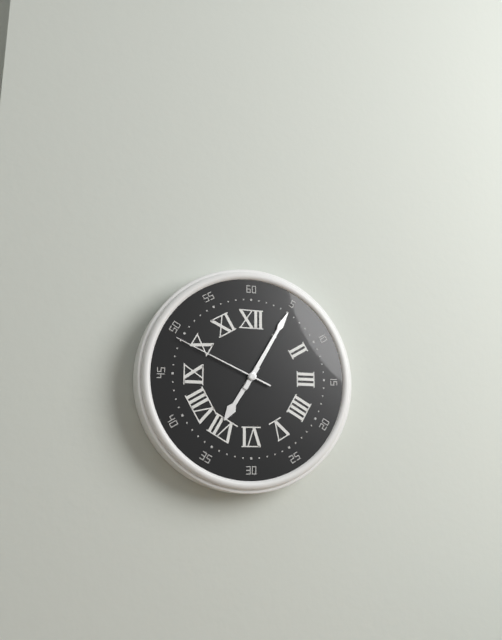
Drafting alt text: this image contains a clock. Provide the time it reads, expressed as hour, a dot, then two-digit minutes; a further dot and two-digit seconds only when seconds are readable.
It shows 7.05.49
